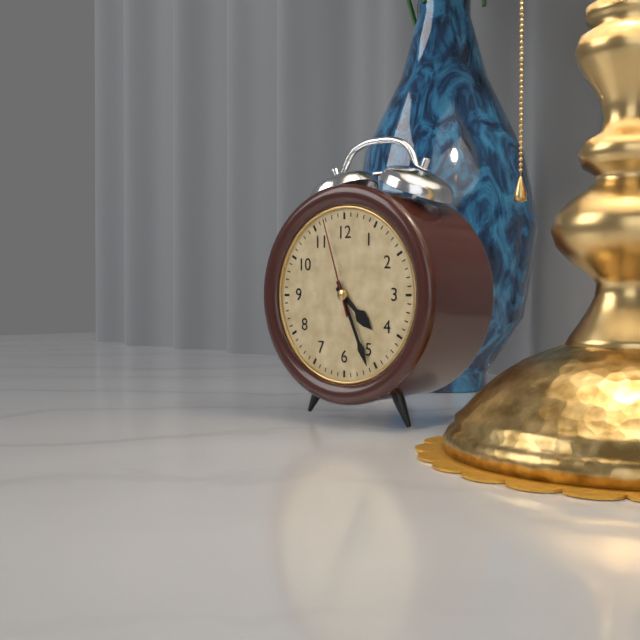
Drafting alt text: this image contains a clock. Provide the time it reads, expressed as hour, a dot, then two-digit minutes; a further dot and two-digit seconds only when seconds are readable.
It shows 4.26.57
